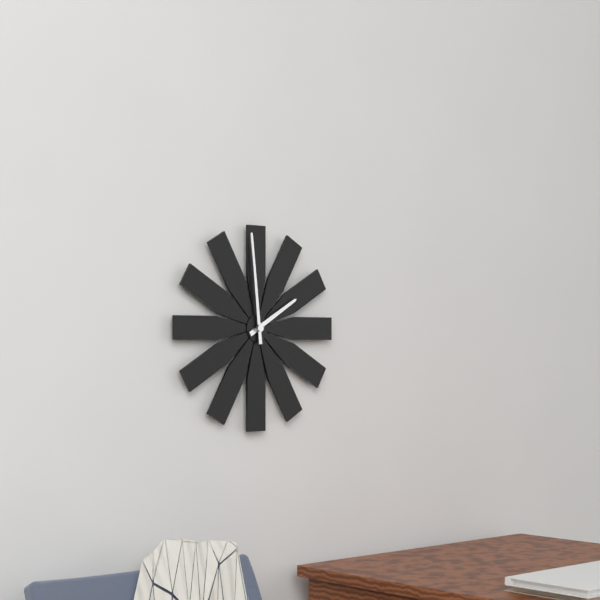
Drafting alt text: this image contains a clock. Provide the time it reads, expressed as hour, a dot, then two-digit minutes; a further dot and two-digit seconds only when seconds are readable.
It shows 1.59
